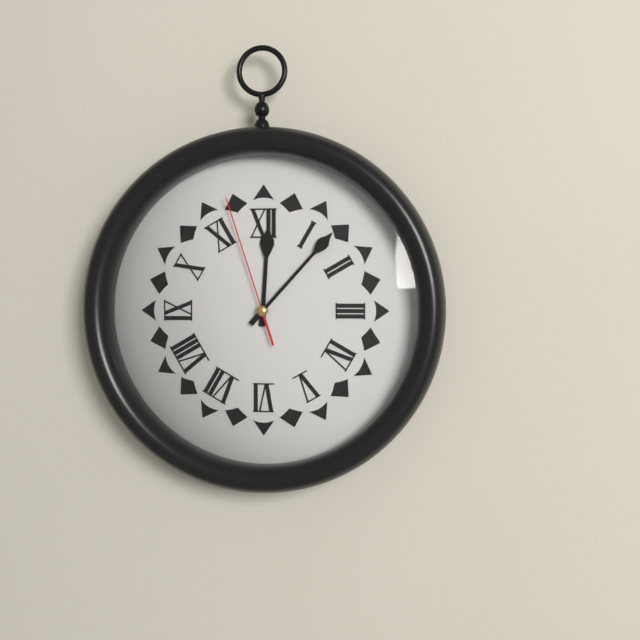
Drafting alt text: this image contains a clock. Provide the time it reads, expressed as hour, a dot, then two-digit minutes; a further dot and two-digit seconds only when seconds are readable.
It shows 12.07.57
